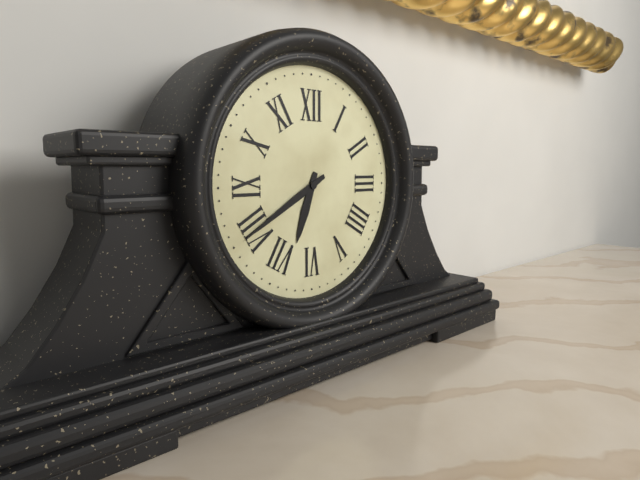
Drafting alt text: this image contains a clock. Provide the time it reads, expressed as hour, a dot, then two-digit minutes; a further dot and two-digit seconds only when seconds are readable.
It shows 6.40
